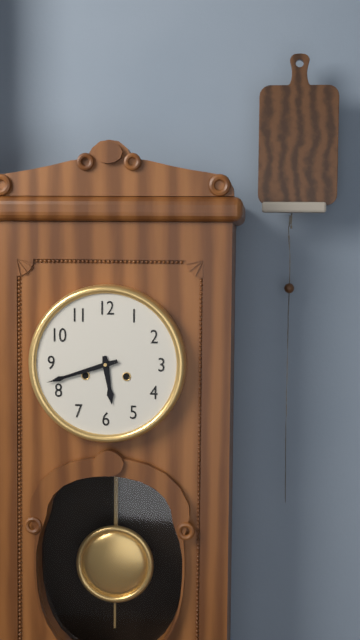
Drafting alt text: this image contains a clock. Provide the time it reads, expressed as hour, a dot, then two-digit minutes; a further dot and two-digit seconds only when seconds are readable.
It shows 5.42
